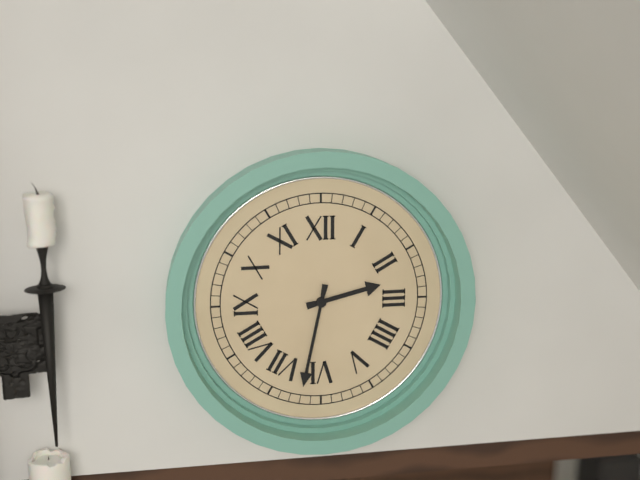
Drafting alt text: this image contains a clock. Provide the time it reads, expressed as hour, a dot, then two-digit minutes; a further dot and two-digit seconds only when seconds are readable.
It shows 2.32
